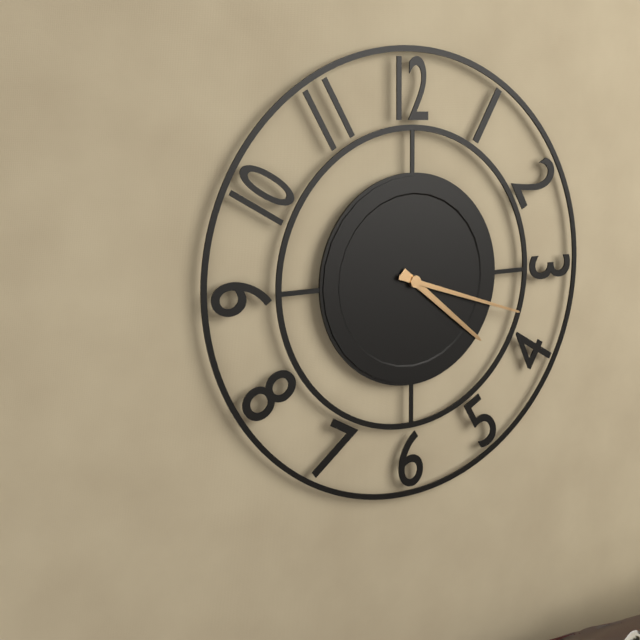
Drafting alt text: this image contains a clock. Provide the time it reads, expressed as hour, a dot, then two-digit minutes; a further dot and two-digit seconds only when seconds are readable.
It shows 4.18
